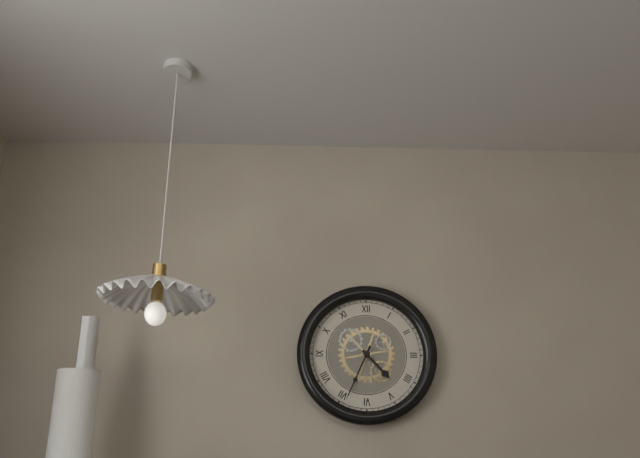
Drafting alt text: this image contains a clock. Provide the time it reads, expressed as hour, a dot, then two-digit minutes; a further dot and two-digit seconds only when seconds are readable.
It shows 4.34
